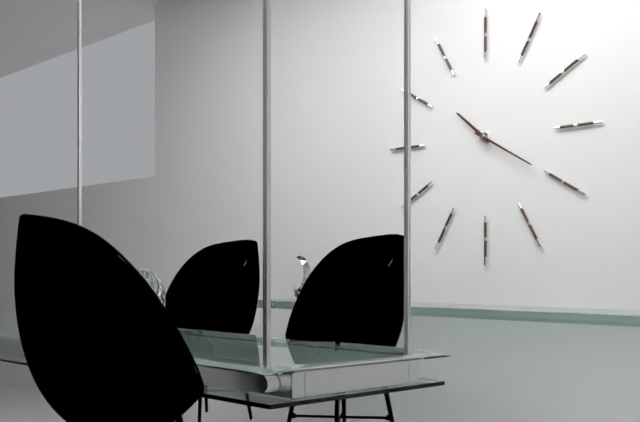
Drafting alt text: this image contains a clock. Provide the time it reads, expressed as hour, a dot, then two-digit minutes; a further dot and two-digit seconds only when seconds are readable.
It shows 10.20
